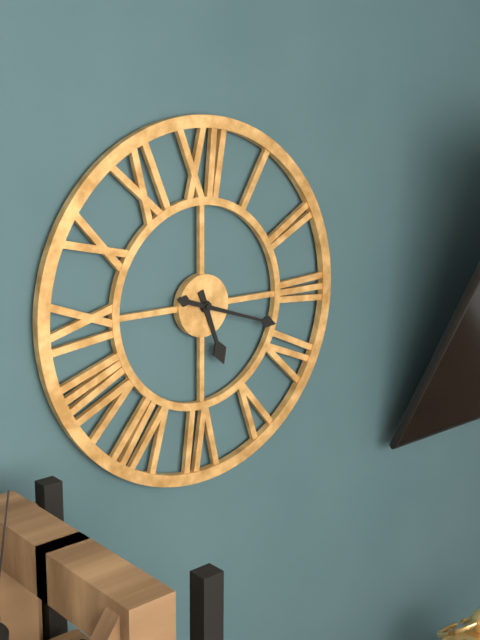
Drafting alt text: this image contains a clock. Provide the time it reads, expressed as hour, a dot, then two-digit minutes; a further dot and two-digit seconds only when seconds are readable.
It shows 5.18
